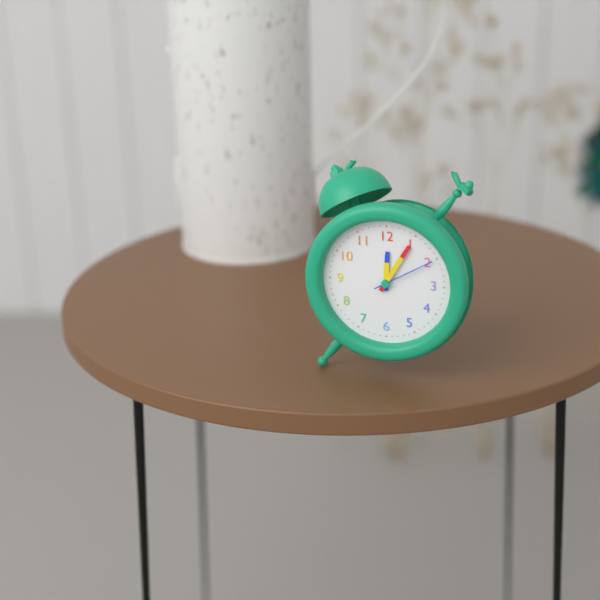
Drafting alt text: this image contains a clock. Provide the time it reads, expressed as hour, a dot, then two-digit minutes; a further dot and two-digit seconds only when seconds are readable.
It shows 12.05.10
